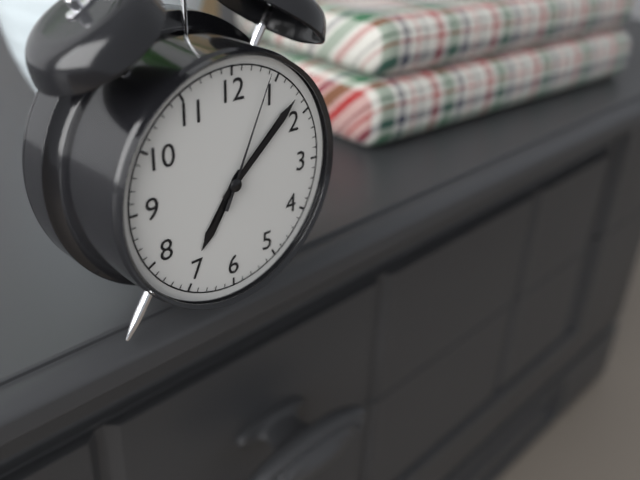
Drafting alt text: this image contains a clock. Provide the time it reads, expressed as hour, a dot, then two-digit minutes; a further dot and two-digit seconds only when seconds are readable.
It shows 7.08.04
